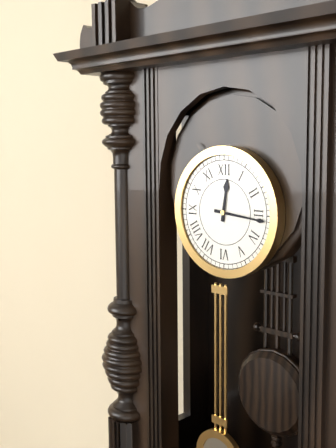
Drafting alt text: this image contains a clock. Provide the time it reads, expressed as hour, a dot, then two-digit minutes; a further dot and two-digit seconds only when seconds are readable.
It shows 12.16
